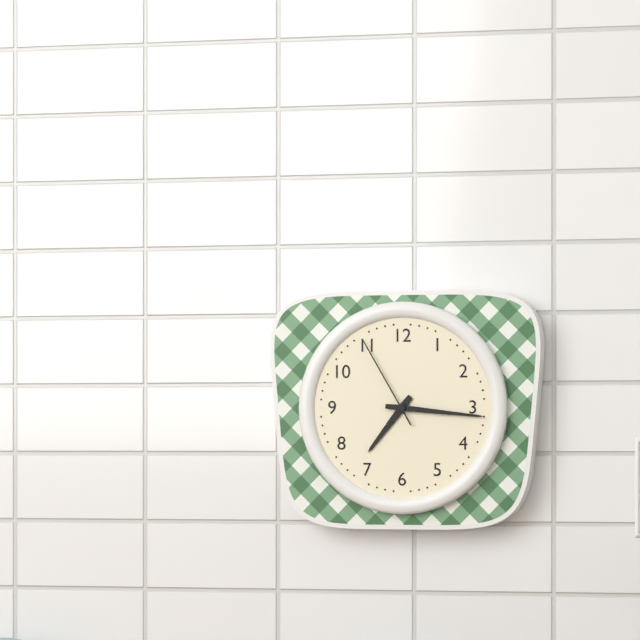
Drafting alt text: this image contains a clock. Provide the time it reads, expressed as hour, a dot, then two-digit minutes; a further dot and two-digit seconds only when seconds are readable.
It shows 7.16.55
